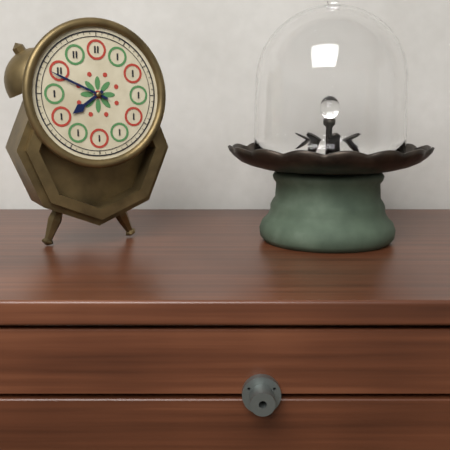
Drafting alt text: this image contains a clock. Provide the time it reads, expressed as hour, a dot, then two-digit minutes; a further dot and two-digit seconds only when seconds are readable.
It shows 7.49
